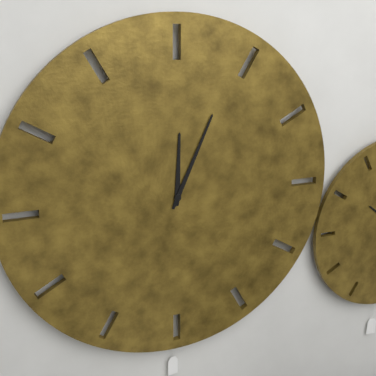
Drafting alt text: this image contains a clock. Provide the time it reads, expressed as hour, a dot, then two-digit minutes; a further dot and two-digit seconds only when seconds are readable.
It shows 12.04
